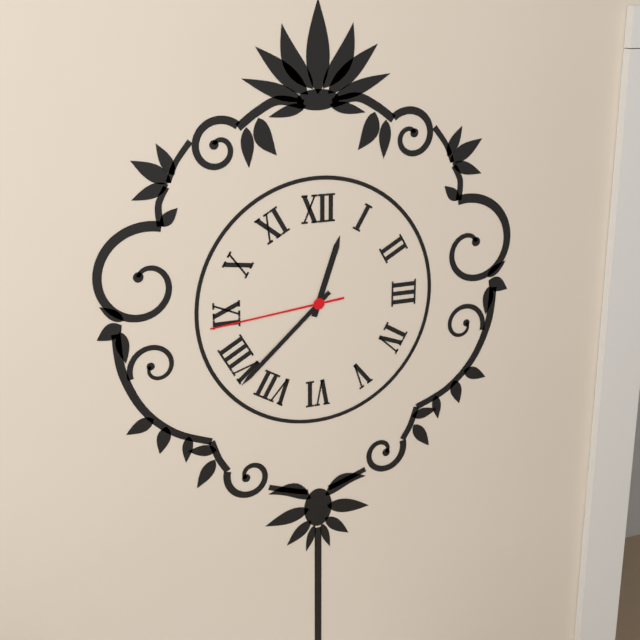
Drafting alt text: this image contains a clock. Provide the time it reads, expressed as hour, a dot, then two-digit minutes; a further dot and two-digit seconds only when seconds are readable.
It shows 12.38.44
